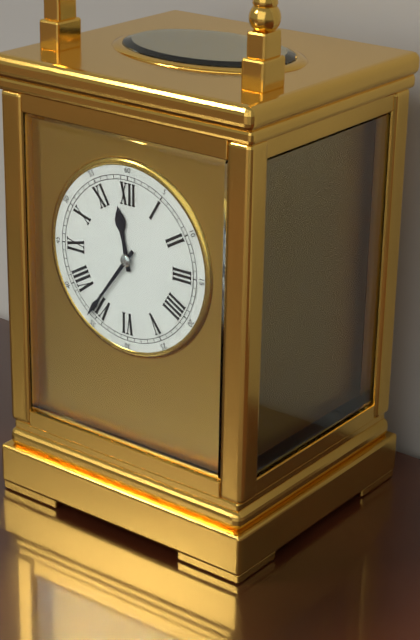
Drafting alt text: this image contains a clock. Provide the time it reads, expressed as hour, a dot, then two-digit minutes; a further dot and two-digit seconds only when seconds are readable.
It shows 11.36
